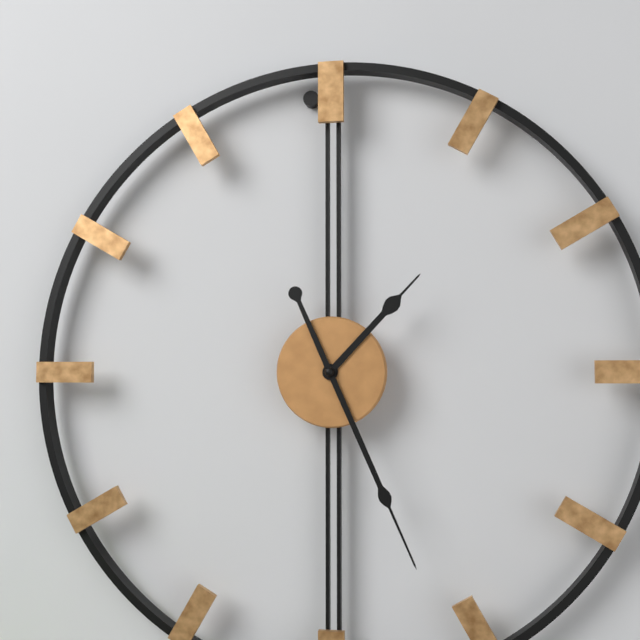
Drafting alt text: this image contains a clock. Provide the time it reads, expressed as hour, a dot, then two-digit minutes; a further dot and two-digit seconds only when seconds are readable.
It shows 1.26
